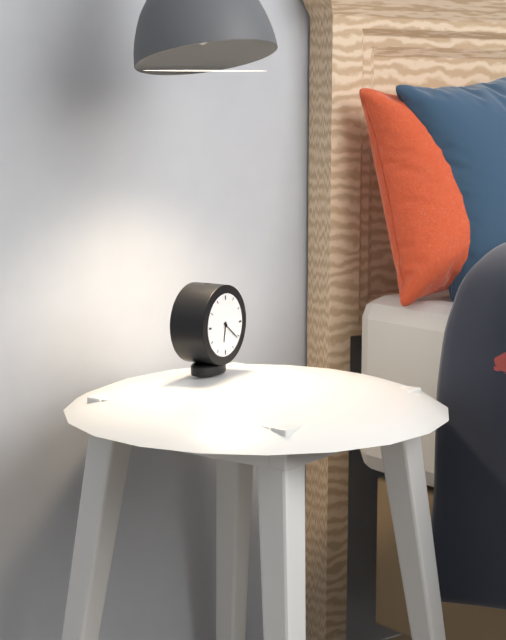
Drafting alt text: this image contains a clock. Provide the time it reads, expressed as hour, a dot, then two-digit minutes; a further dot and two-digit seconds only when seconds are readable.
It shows 6.21
